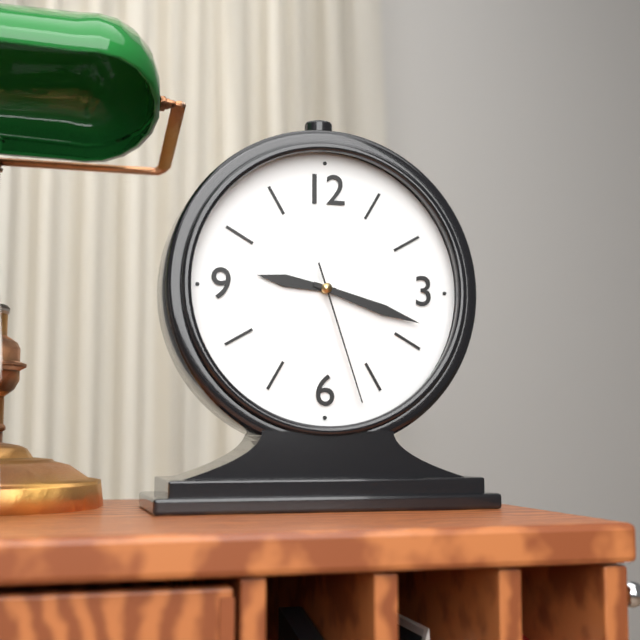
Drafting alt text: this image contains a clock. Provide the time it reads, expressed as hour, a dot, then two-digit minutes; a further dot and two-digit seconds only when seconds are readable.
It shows 9.18.27
